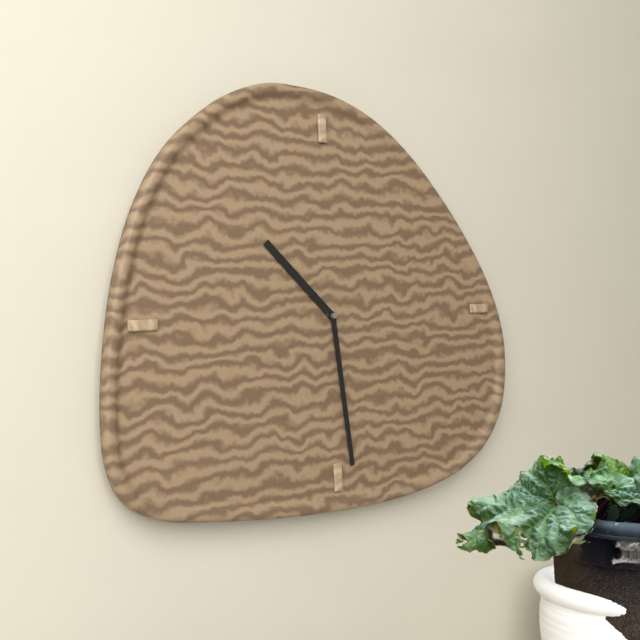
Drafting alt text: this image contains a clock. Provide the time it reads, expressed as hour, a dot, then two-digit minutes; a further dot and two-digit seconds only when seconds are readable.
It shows 10.29
